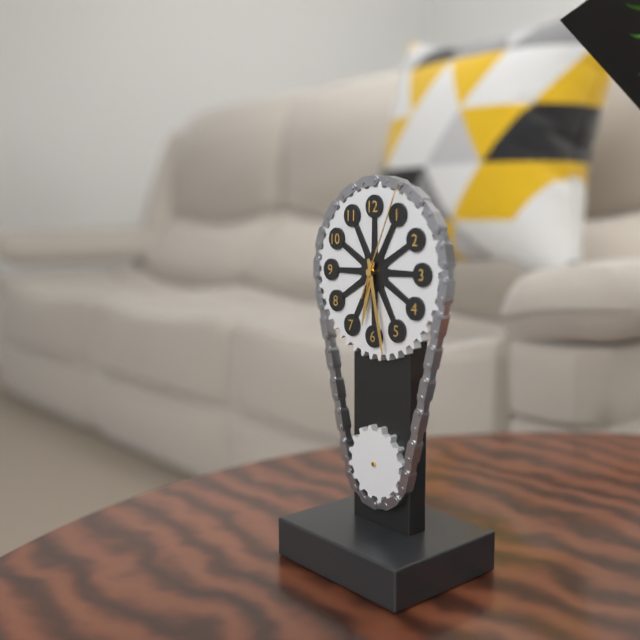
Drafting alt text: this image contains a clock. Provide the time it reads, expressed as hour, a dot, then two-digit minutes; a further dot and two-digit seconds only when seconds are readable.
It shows 6.28.04
